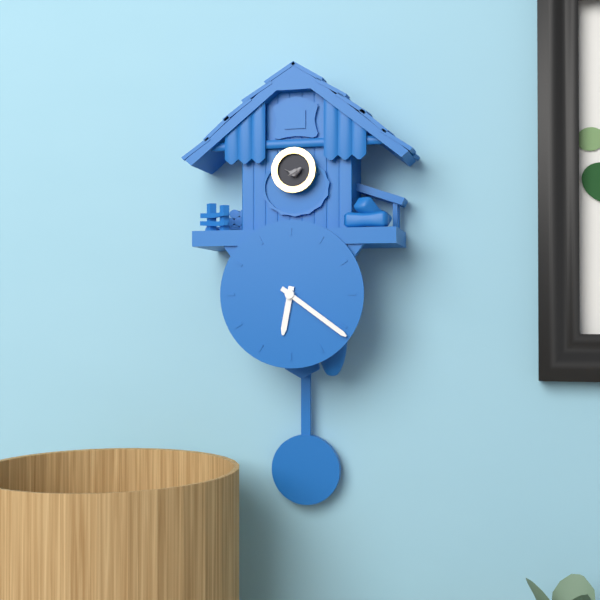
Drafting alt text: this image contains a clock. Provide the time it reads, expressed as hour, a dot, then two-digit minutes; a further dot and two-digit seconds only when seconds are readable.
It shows 6.21
